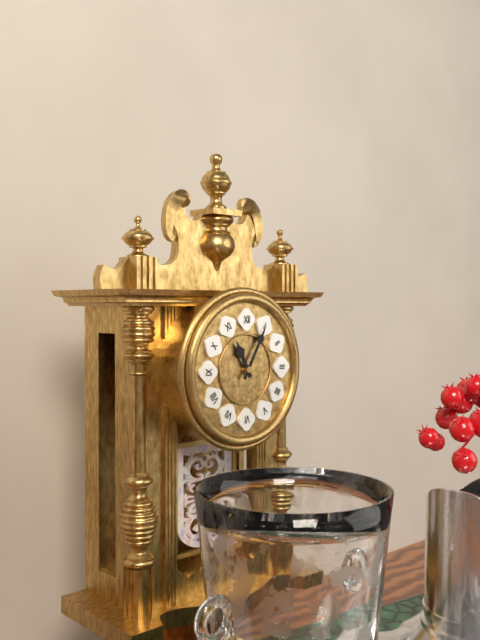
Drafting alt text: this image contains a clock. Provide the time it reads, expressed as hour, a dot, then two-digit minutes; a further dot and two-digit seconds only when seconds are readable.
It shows 11.05
